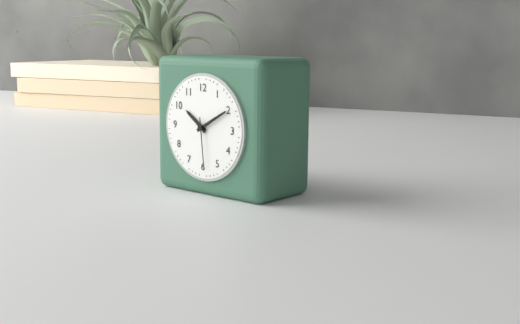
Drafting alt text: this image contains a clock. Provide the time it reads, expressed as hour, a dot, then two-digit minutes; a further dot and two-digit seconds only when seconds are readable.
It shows 10.10.29
